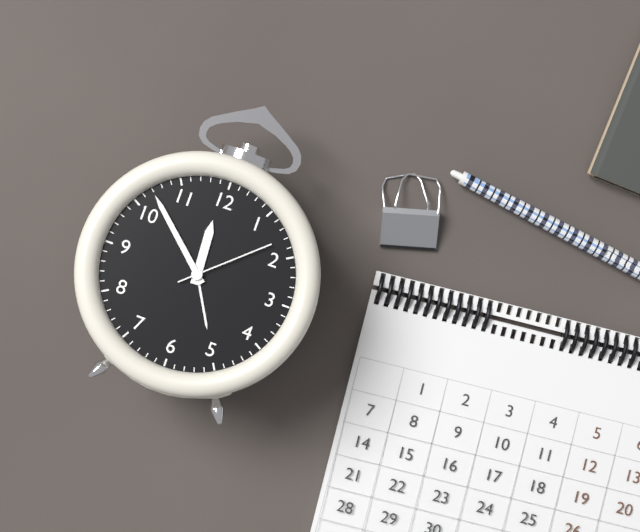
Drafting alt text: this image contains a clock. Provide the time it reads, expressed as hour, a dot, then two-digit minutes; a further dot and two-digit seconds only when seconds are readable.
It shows 11.52.08
